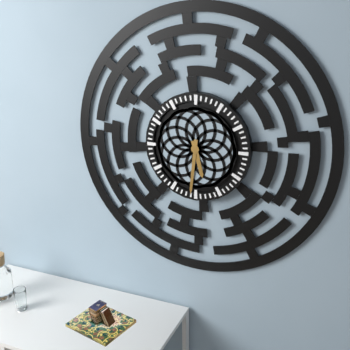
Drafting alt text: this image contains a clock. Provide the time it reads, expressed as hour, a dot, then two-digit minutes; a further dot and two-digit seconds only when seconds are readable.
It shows 5.31
